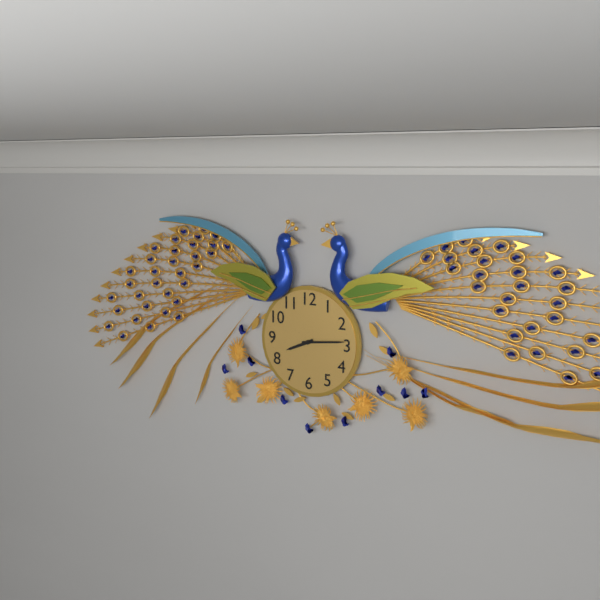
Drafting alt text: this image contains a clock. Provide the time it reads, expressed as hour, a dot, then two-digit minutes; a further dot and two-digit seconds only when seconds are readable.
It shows 8.14
